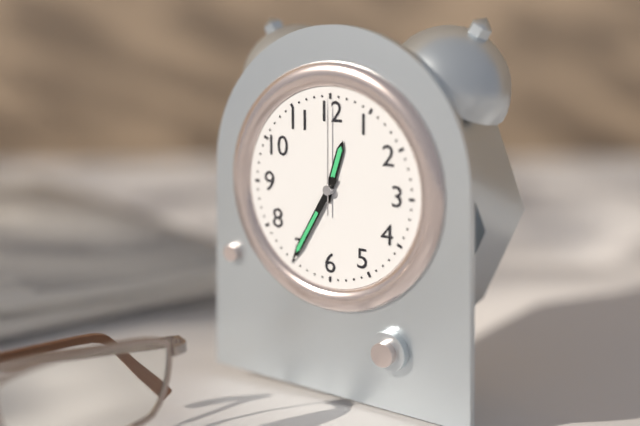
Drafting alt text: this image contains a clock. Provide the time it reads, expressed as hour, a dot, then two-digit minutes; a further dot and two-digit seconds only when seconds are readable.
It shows 12.35.00
